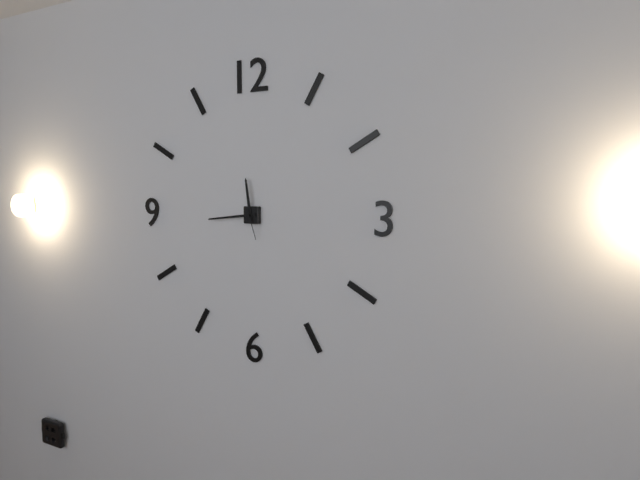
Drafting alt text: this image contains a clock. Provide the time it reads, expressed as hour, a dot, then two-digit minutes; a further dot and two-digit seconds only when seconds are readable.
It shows 11.44
